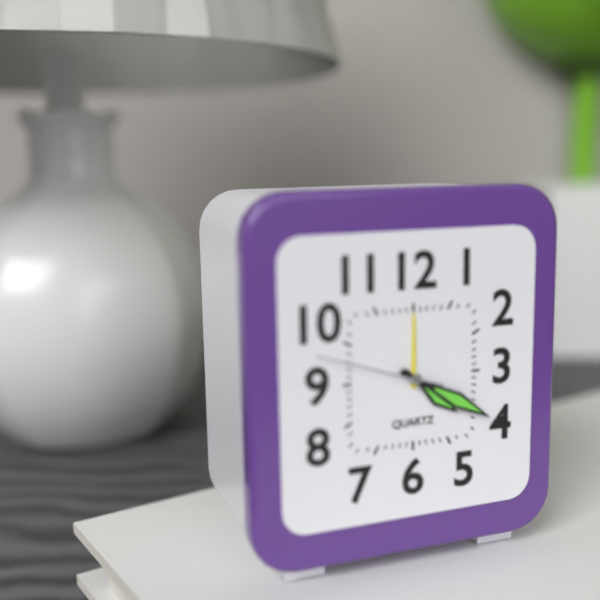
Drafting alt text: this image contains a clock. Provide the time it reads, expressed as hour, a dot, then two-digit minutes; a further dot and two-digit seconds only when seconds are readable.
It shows 4.20.48
